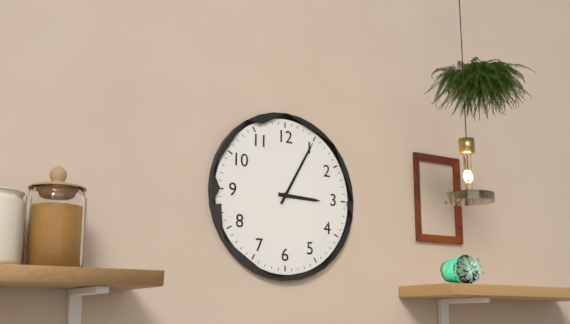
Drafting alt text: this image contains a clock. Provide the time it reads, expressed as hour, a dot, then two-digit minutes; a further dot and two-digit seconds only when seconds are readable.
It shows 3.05
